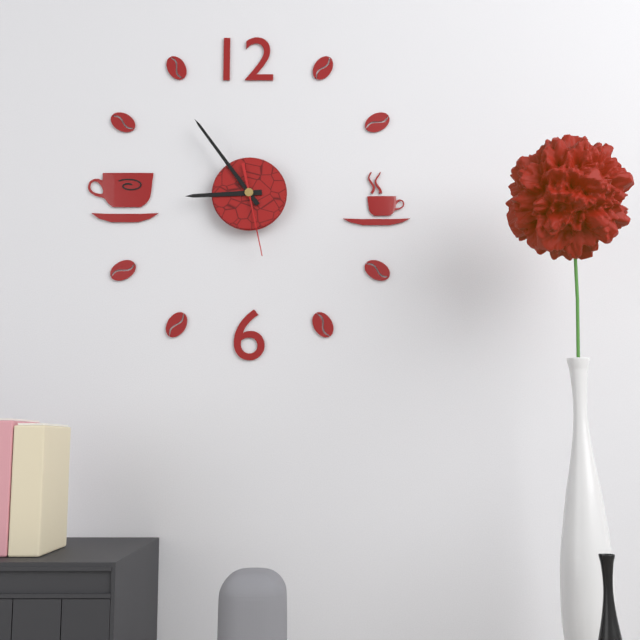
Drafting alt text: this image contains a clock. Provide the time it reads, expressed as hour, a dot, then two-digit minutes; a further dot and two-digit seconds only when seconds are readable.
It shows 8.54.28
